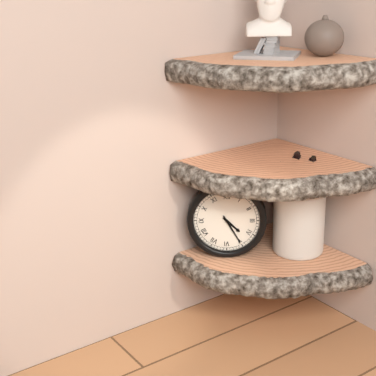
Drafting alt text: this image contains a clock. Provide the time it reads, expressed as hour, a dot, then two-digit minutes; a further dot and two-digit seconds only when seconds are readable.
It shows 4.25
